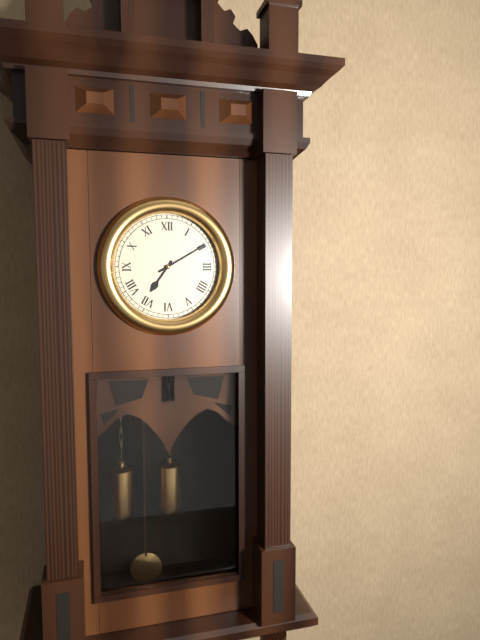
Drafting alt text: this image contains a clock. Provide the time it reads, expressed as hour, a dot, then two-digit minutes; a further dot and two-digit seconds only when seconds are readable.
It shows 7.10
